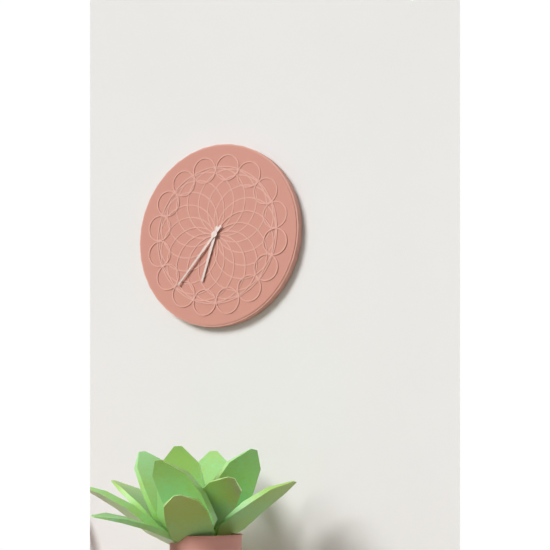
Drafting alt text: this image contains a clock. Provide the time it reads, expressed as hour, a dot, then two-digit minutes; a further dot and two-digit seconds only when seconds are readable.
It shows 6.37
